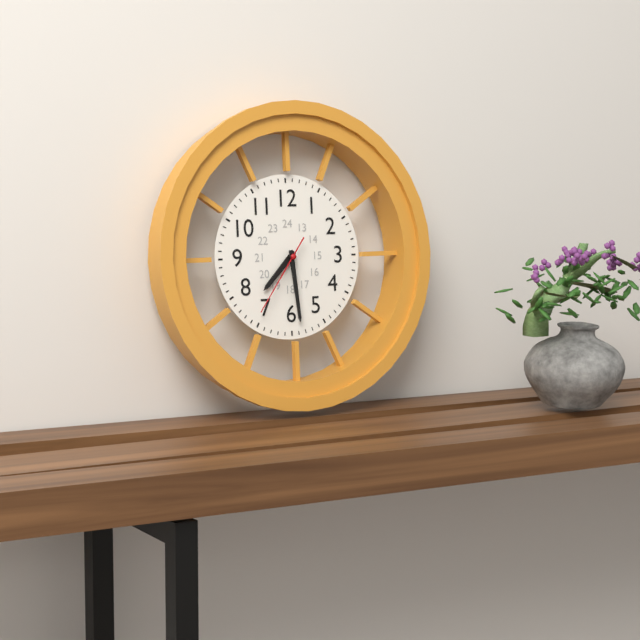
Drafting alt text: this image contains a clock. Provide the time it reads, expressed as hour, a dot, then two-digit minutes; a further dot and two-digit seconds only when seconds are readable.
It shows 7.29.36
